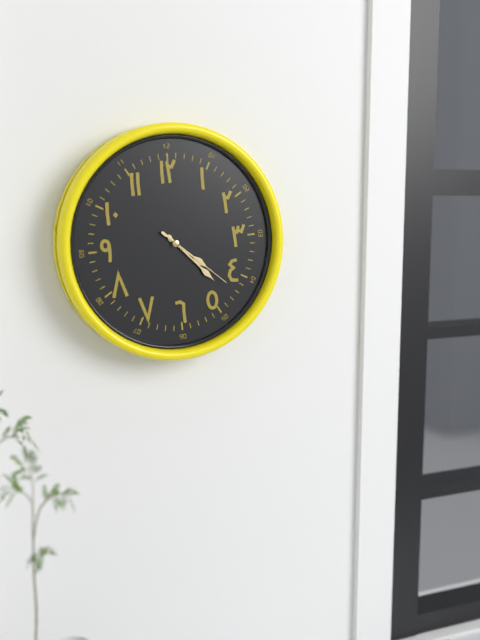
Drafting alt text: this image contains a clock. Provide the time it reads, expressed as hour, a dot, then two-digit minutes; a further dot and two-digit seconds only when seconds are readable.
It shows 4.23.22
